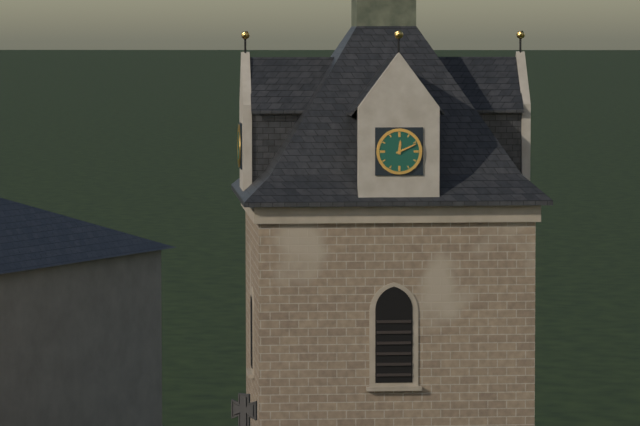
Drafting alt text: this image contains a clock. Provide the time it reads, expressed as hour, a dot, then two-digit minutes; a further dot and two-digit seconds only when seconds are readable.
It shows 12.11
